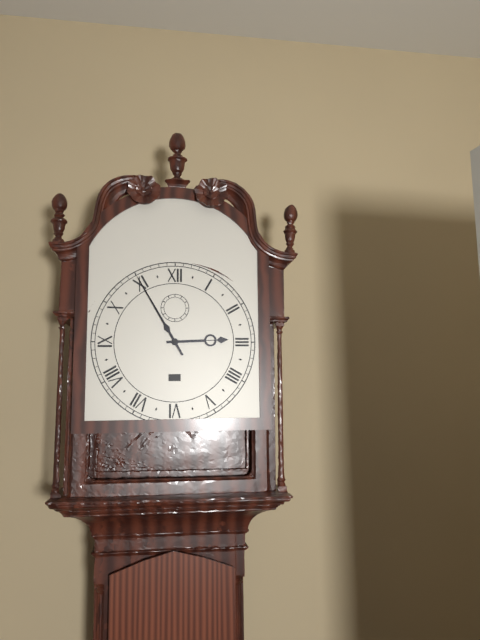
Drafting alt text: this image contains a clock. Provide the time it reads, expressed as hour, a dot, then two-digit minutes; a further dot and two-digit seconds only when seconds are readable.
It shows 2.55
